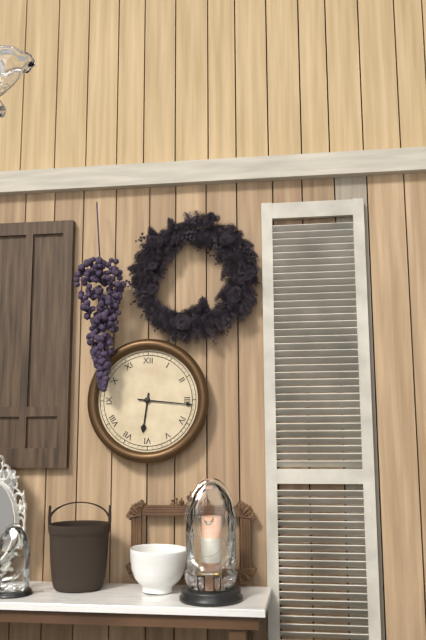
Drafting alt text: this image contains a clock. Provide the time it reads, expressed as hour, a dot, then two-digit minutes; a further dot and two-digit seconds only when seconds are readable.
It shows 6.16
